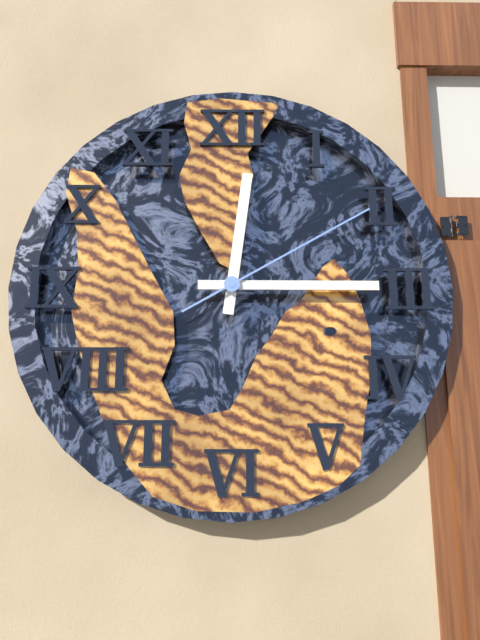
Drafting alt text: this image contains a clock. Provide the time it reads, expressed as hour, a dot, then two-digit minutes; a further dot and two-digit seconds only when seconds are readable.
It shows 12.15.10
